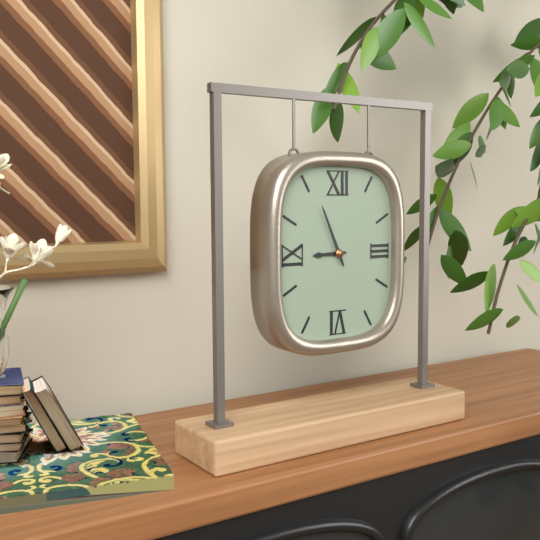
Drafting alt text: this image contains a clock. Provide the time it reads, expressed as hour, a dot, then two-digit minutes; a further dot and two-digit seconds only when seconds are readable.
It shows 8.56
